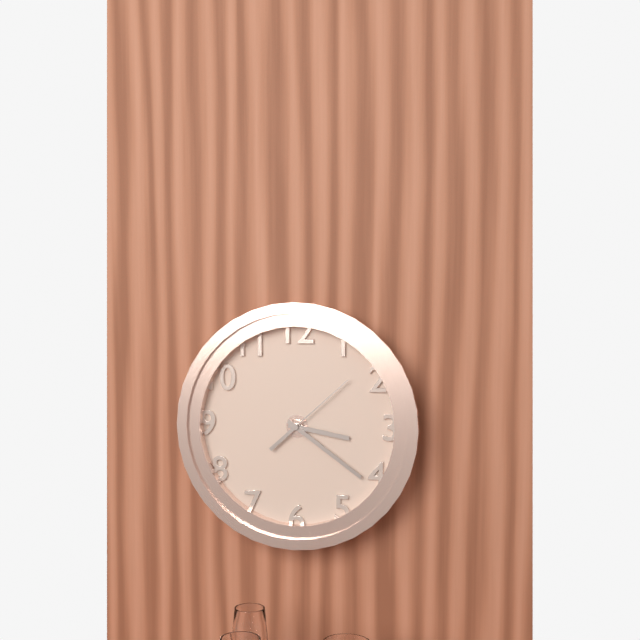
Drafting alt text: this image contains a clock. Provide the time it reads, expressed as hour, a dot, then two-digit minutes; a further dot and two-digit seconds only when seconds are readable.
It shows 3.21.08
